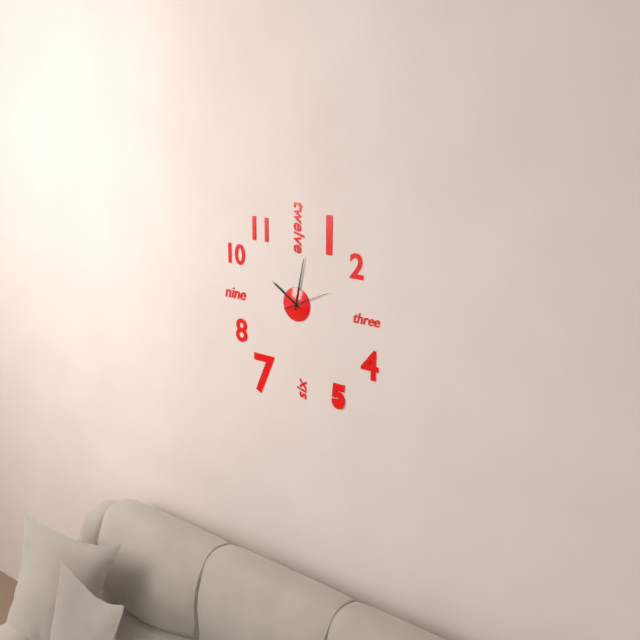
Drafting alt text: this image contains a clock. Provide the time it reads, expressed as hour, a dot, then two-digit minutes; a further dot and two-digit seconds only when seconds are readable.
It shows 10.02
